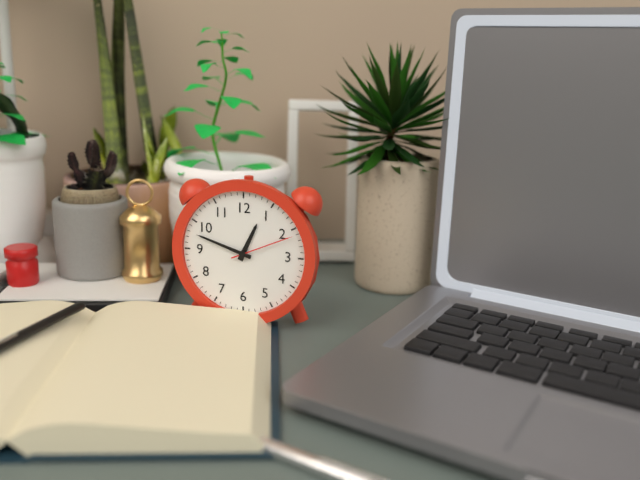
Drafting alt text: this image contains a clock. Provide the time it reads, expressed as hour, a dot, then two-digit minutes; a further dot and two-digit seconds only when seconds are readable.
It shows 12.48.11
